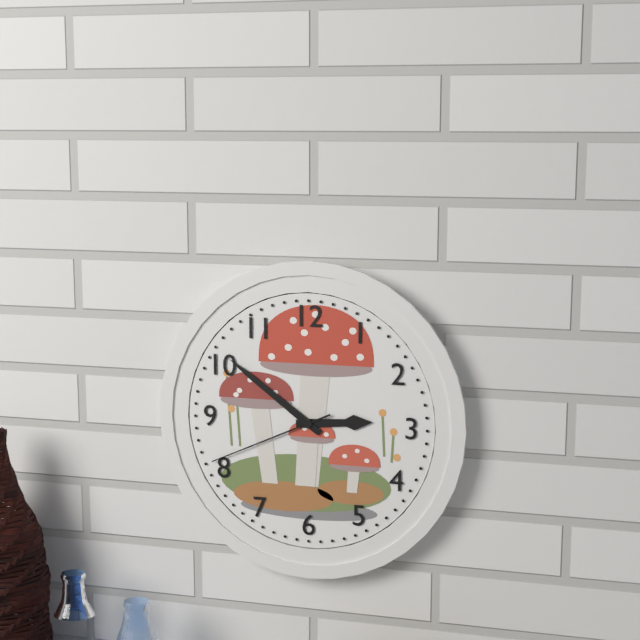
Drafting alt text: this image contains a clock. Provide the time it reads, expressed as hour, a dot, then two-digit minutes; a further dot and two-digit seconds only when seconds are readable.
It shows 2.51.41
